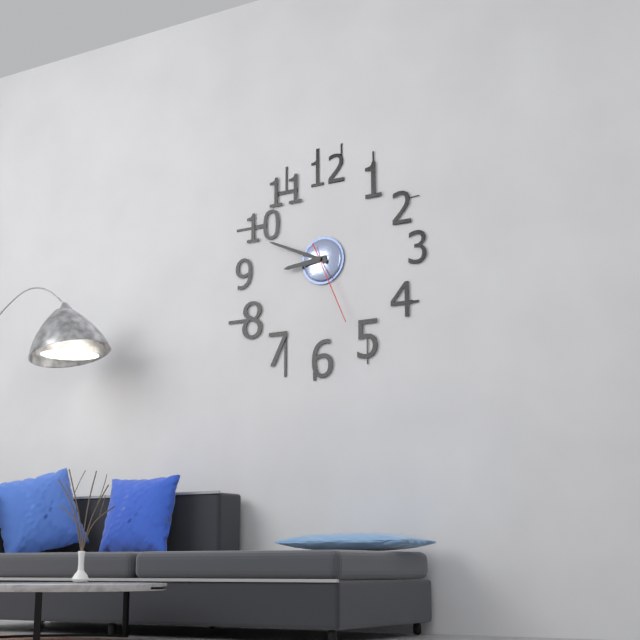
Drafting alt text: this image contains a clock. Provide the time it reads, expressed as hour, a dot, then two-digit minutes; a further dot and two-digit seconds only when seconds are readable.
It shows 8.49.26
